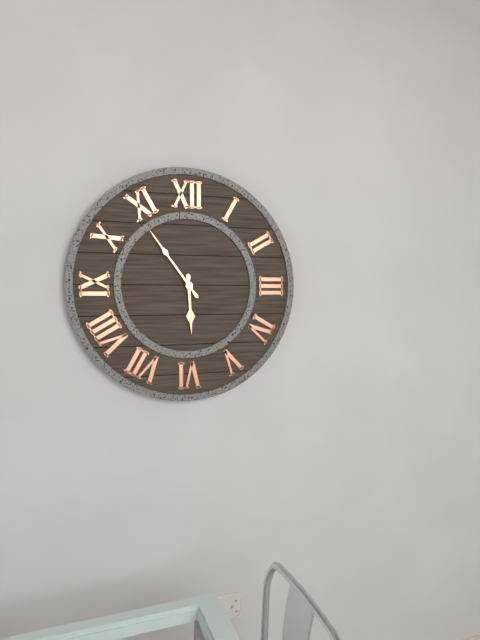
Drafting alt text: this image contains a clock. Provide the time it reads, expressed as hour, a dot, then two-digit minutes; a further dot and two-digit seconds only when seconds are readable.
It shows 5.54
